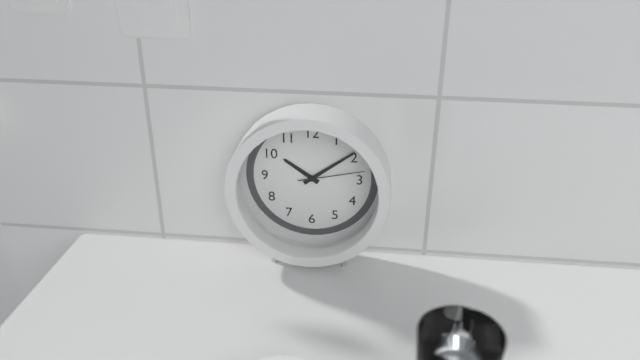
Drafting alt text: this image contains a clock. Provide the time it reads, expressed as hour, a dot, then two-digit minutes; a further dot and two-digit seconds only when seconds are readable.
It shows 10.09.13
